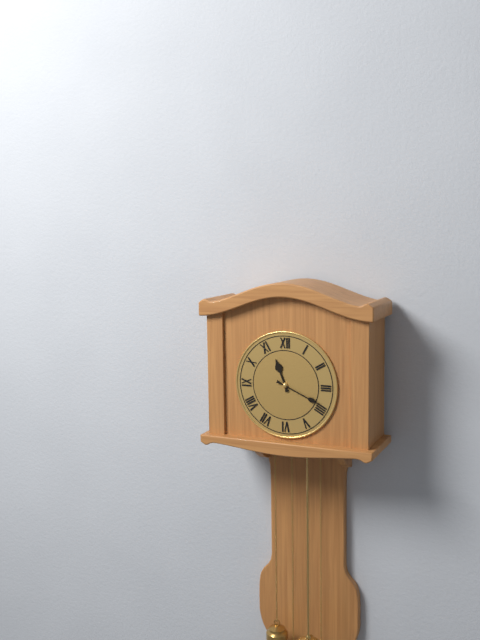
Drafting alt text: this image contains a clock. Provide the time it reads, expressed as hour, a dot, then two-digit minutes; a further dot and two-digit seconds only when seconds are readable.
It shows 11.19
